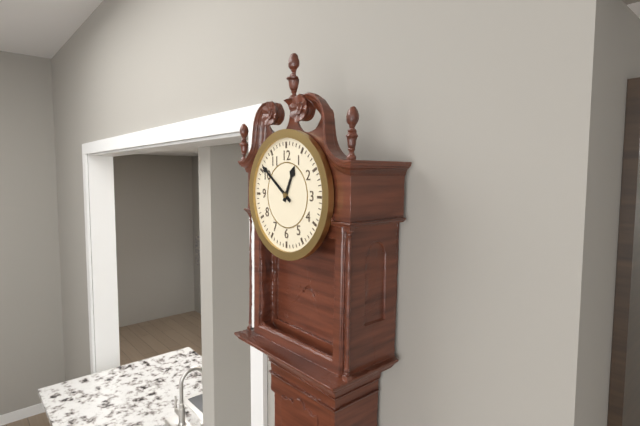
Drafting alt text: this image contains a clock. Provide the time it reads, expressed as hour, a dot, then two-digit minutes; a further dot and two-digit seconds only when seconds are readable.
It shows 12.51
